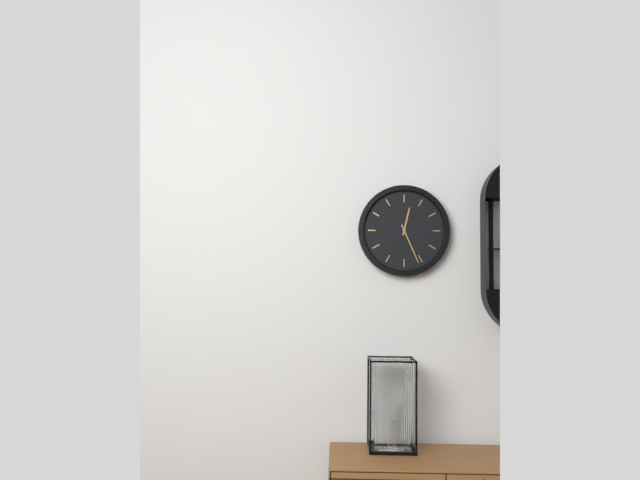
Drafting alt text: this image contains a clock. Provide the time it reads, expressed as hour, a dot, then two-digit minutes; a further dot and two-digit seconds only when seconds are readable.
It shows 12.26
